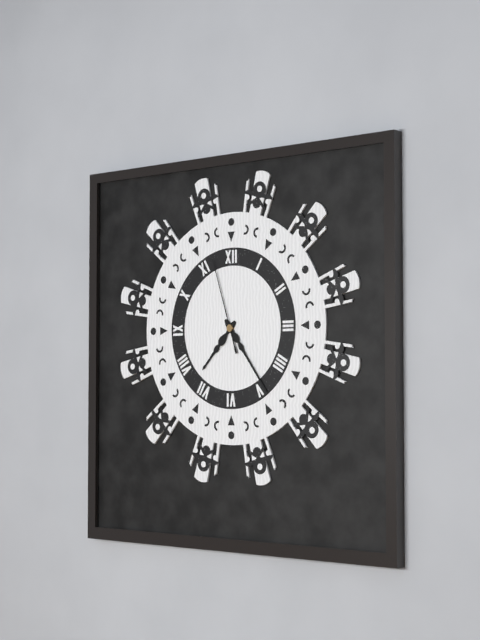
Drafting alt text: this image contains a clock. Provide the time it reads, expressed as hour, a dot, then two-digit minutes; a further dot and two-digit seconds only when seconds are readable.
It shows 7.24.57
